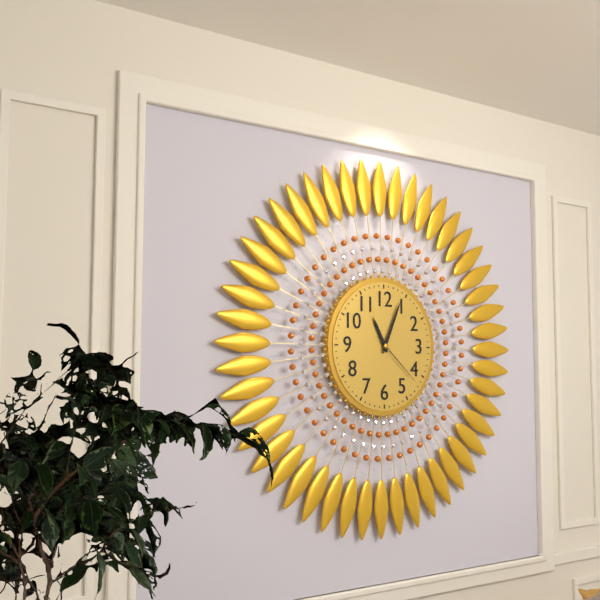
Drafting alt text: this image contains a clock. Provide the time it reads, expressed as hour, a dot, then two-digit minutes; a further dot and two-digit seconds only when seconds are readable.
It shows 11.04.22
